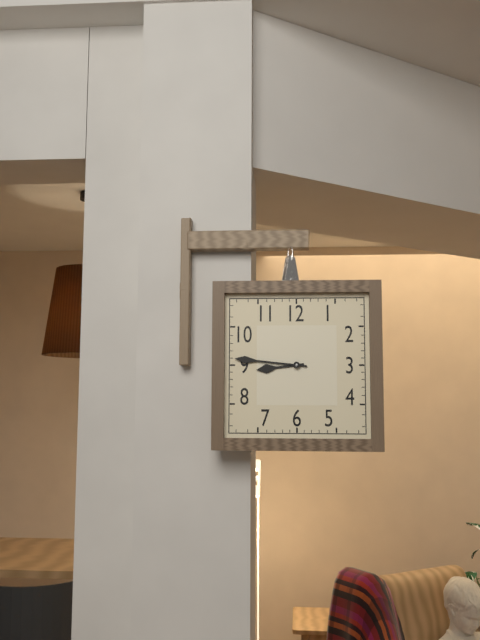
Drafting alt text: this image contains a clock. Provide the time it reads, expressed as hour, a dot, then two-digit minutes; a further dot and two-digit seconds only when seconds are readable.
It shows 8.46
